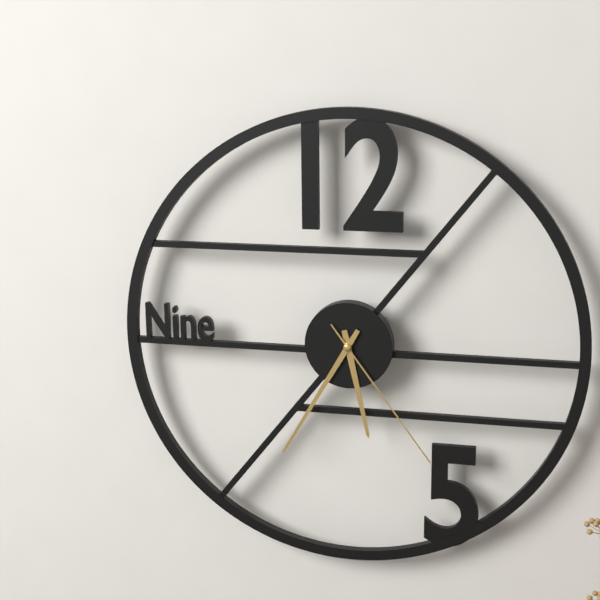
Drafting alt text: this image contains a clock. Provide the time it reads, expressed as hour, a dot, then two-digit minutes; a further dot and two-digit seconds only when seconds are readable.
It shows 5.35.24
